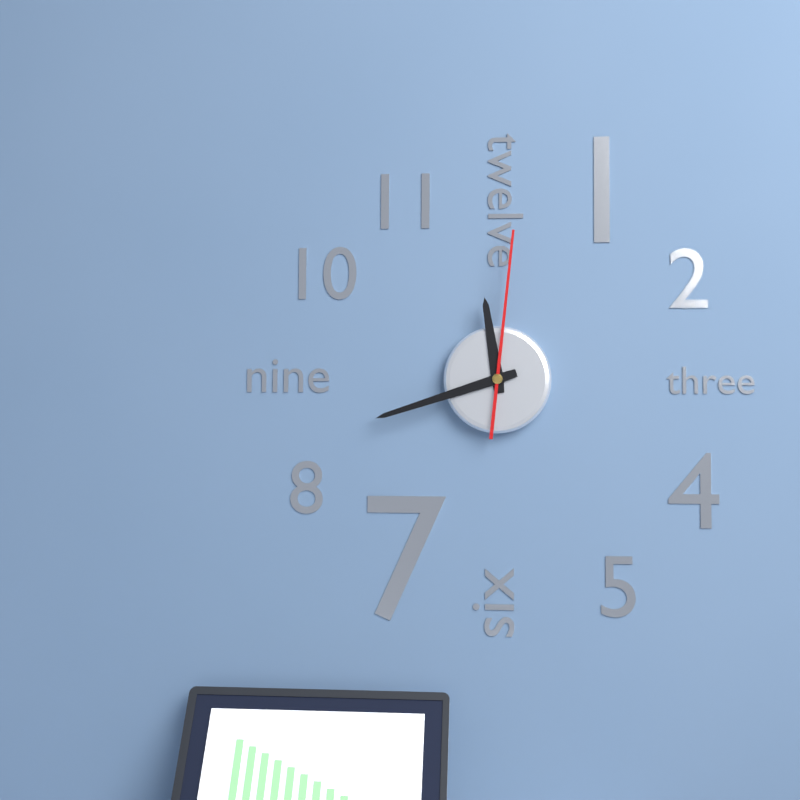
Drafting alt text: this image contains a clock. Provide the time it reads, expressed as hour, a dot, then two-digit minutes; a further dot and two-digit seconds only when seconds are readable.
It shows 11.42.01
